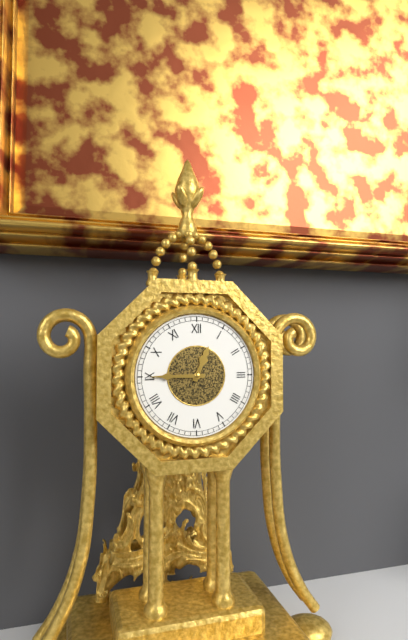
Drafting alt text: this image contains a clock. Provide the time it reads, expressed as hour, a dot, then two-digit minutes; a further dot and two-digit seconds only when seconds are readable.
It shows 12.45
